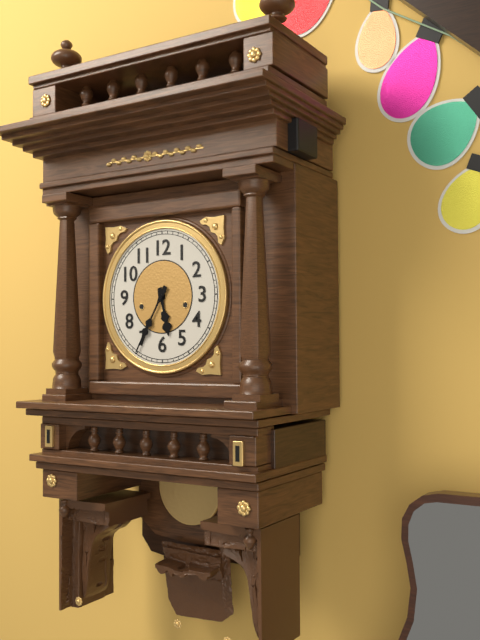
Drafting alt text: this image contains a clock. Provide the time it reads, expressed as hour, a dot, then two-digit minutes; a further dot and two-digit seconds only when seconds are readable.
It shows 5.35
